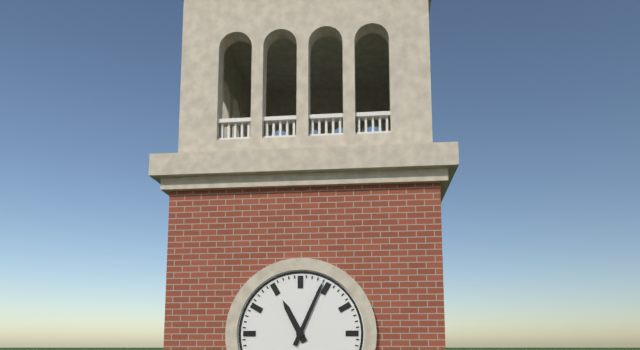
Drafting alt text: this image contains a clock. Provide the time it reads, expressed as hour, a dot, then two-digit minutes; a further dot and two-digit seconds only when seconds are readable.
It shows 11.04
